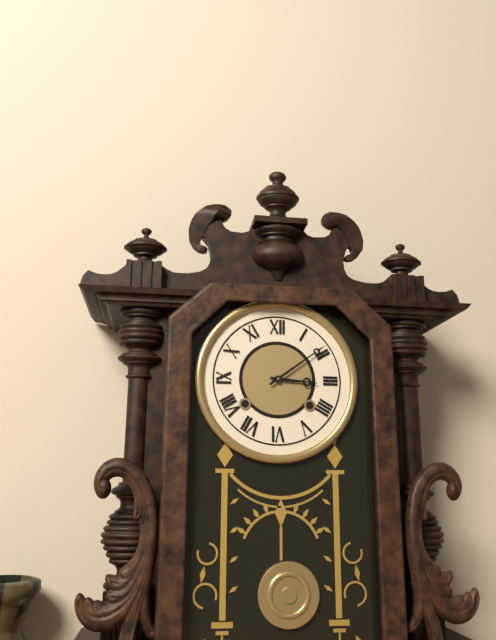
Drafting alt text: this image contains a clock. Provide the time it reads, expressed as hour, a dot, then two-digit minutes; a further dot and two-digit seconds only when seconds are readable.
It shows 3.09
